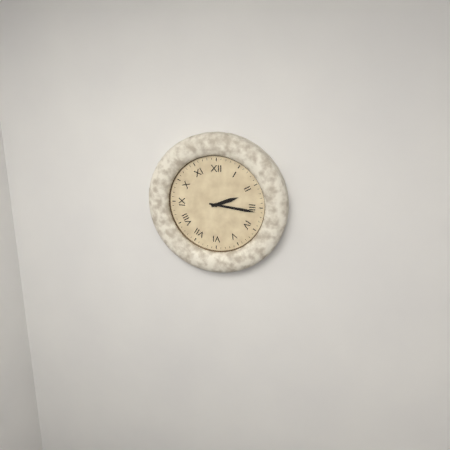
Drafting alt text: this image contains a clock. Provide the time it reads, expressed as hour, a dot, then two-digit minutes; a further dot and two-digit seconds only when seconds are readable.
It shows 2.16
